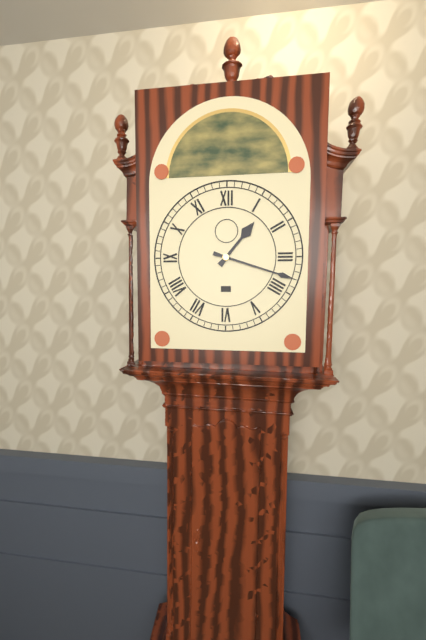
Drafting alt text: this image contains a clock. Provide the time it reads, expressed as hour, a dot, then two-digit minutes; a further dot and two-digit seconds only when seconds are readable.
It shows 1.18
